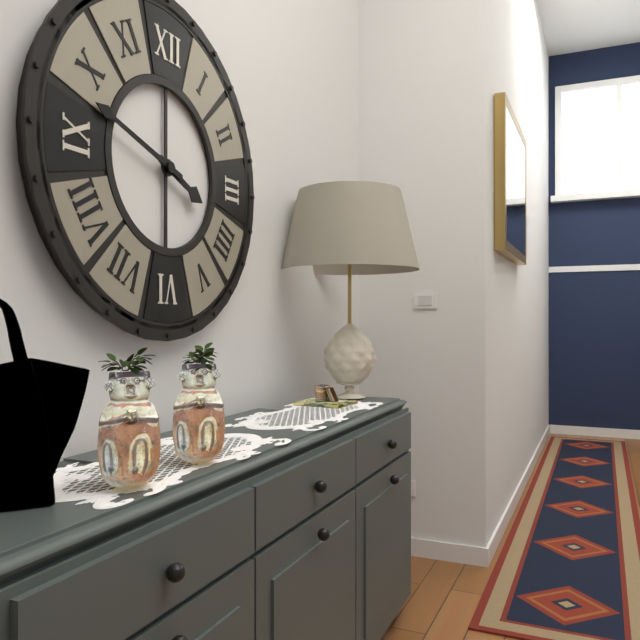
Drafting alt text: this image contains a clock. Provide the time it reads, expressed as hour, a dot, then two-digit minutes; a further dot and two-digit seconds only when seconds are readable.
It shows 3.48
